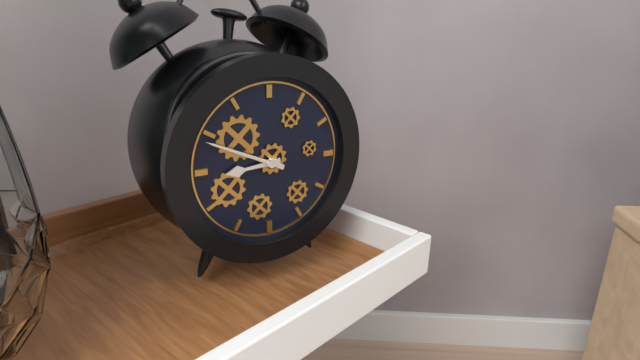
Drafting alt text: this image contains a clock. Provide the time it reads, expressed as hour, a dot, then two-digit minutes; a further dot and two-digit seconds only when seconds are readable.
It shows 8.49
